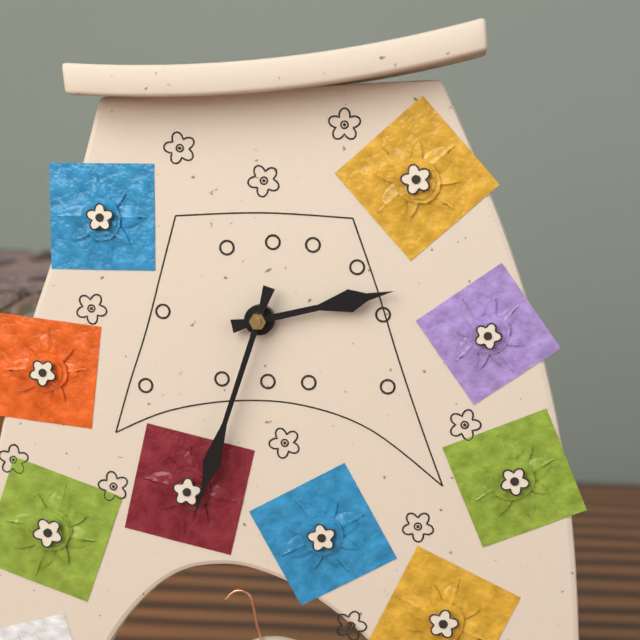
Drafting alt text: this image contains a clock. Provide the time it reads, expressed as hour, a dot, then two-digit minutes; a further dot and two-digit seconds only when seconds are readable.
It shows 2.33
